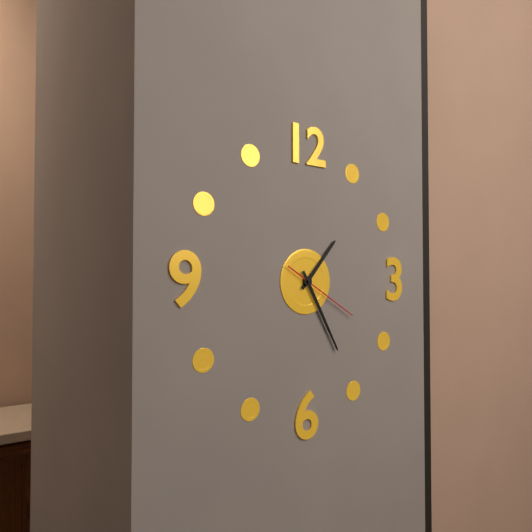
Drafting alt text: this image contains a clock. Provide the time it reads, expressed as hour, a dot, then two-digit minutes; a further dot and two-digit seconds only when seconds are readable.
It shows 1.25.20
